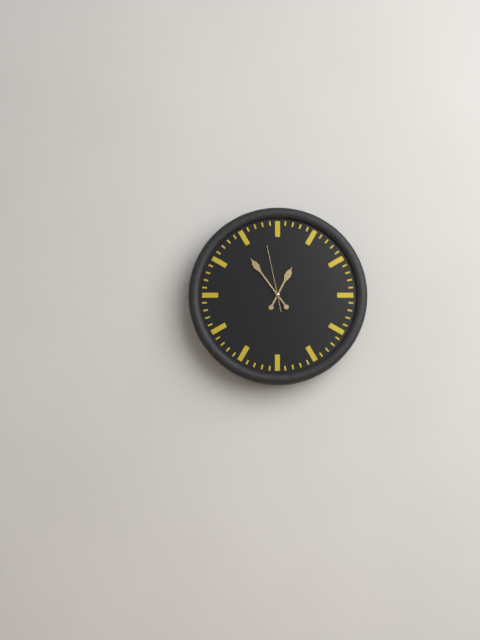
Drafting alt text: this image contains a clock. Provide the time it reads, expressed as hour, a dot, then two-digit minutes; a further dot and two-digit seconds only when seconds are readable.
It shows 12.54.58
